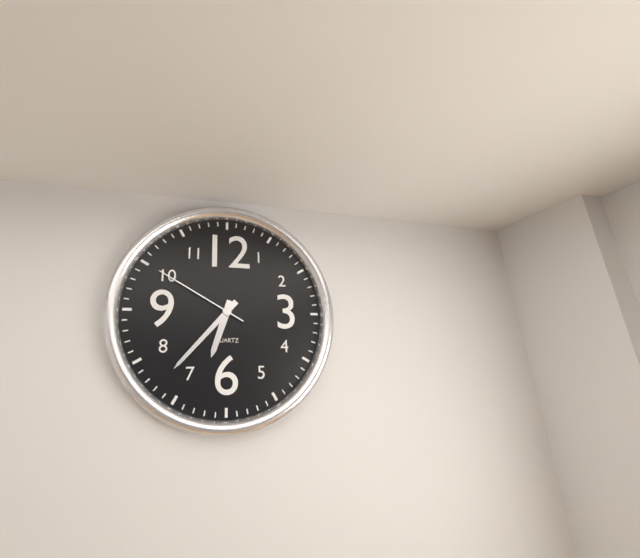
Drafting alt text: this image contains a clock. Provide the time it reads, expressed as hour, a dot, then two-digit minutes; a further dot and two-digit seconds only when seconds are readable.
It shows 6.37.50
